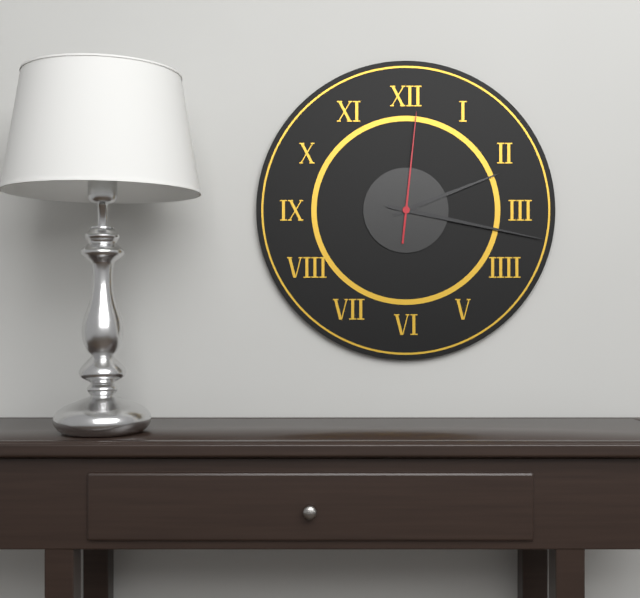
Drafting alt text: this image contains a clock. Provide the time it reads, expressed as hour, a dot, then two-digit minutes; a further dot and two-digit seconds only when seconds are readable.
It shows 2.17.01
